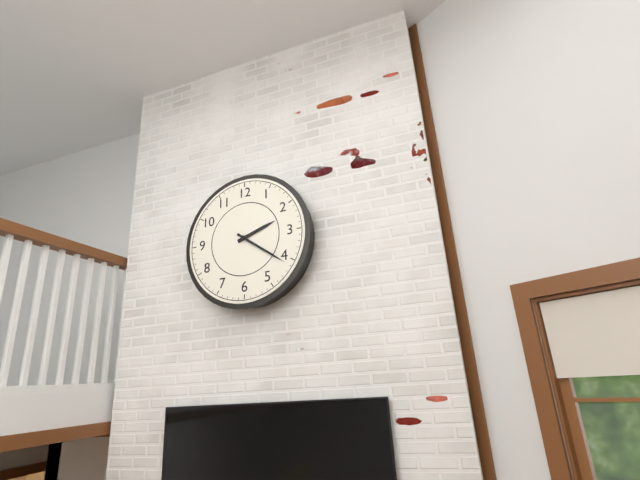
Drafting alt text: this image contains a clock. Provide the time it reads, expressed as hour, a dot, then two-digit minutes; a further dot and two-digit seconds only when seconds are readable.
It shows 2.21
